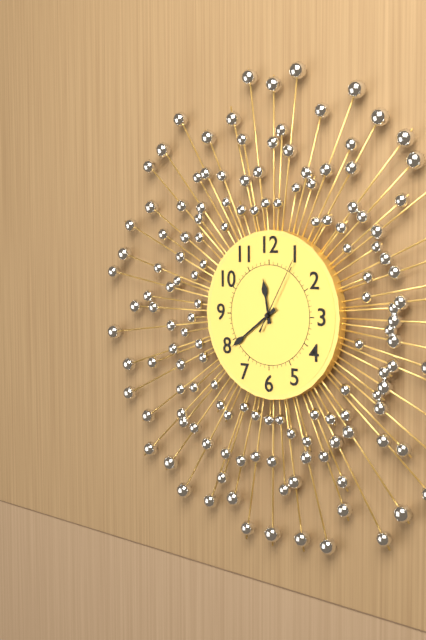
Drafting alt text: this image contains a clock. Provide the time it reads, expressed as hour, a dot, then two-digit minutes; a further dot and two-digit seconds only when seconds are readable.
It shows 11.39.05
